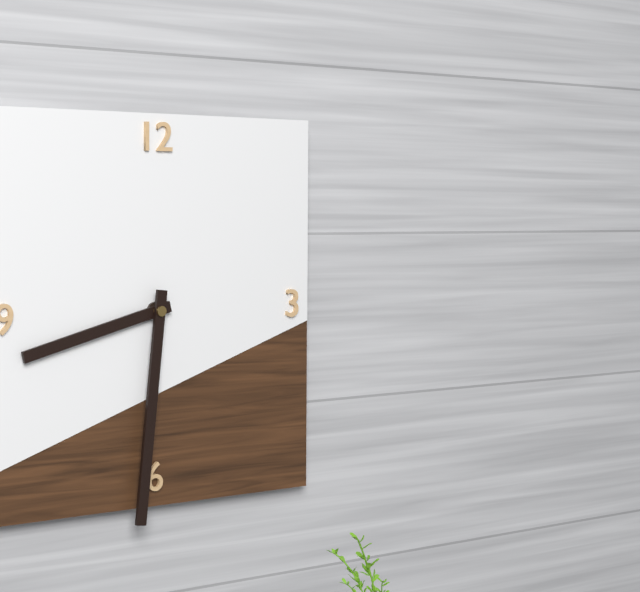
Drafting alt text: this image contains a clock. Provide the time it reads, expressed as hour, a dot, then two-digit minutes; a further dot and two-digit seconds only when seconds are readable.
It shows 8.31
